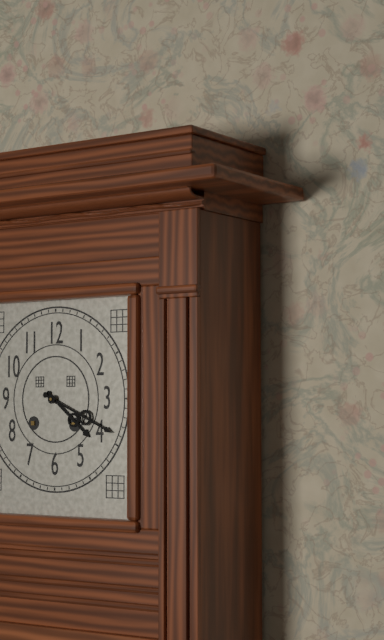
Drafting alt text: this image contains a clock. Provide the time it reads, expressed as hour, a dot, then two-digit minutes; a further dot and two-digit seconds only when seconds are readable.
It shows 4.19
